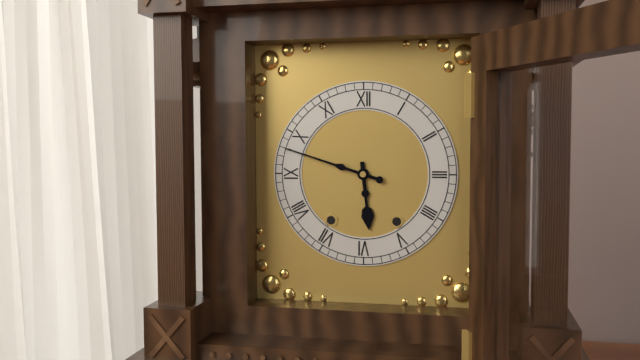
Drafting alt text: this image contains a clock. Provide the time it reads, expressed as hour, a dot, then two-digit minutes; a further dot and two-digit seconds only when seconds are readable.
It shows 5.48
